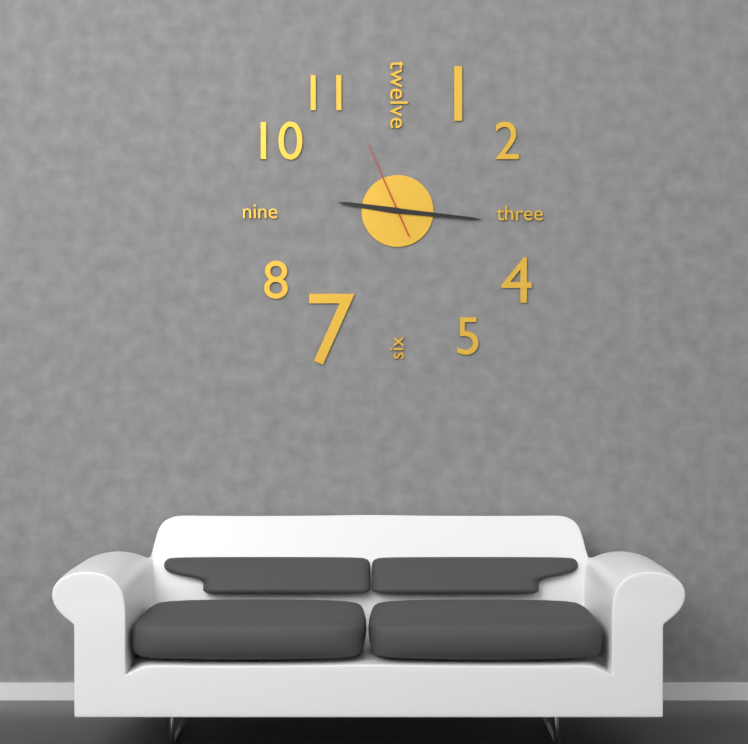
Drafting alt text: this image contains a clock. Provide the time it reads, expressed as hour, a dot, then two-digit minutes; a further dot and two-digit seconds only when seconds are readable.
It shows 9.16.56
